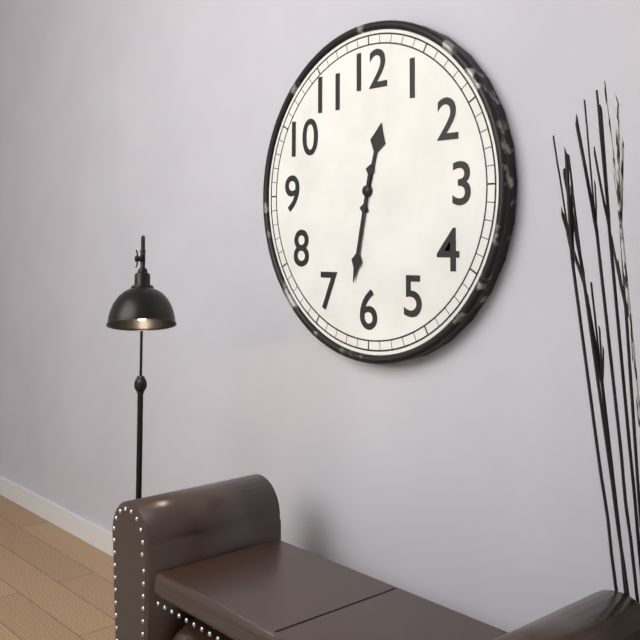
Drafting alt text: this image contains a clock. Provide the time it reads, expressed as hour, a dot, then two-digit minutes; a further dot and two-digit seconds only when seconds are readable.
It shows 12.32
